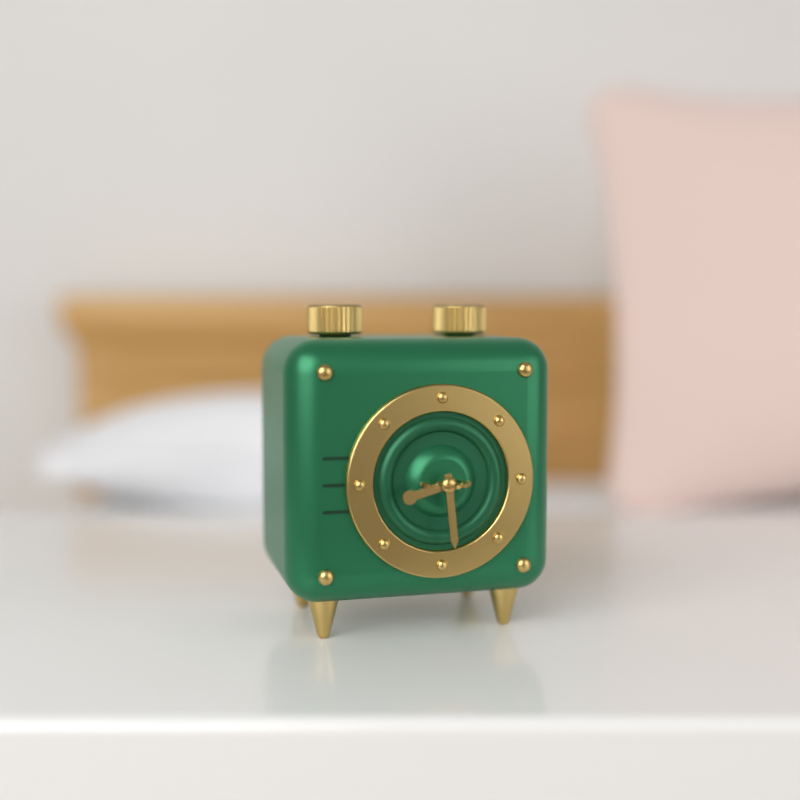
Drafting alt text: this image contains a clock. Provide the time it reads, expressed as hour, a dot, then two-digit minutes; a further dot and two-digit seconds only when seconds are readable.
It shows 8.29
